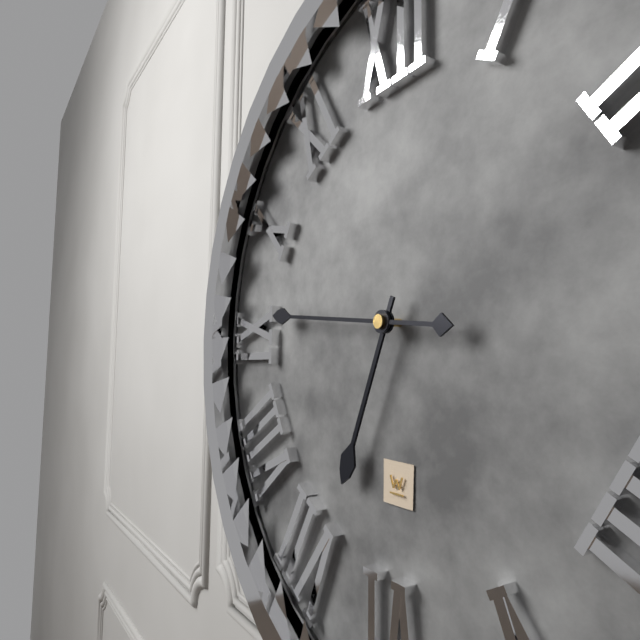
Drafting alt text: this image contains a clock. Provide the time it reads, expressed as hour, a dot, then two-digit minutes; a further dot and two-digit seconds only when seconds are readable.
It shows 6.46
